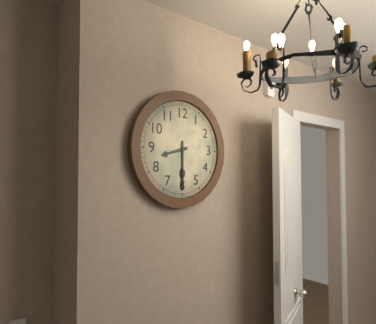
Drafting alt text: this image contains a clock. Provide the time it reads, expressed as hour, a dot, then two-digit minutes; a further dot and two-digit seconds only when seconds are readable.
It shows 8.30
